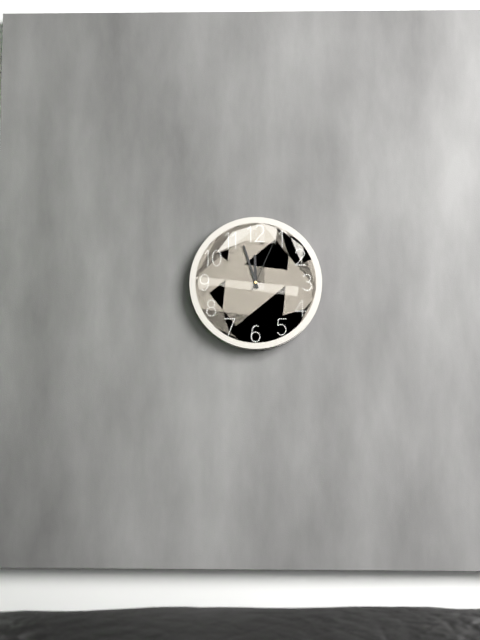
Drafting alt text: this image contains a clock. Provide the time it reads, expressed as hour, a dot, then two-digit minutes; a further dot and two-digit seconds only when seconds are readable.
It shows 11.57.04
